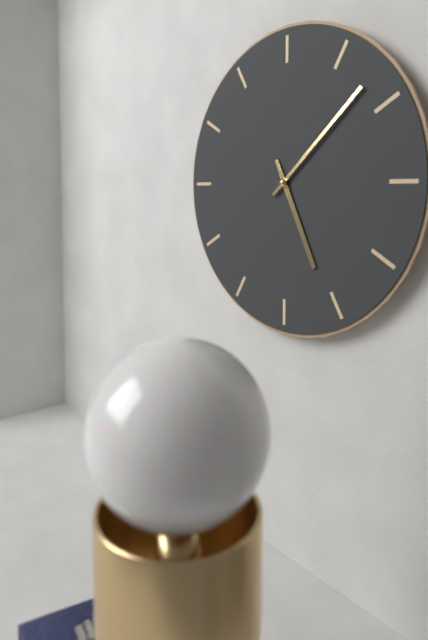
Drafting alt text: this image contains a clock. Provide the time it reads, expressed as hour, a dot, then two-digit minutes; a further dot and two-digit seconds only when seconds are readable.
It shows 5.08
